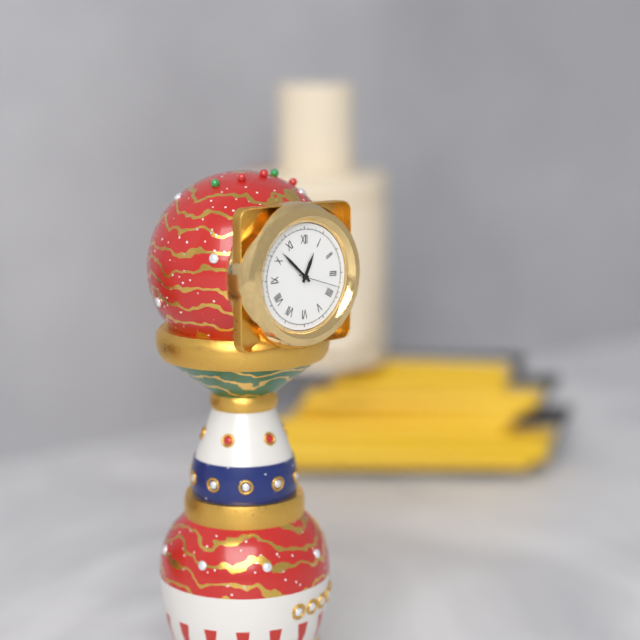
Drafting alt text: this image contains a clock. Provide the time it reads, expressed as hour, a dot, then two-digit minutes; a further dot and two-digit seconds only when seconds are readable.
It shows 12.52
